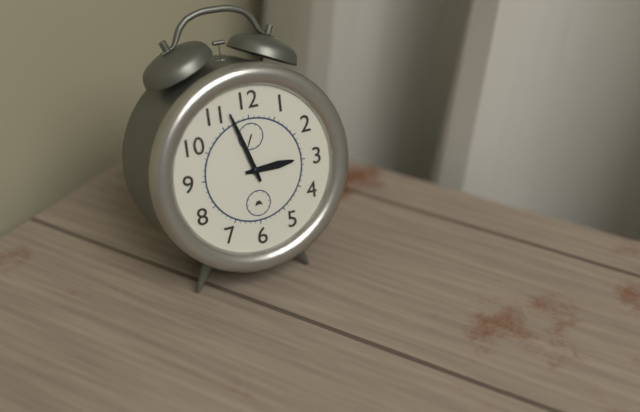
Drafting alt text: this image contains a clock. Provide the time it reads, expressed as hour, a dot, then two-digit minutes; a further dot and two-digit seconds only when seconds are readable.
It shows 2.57
